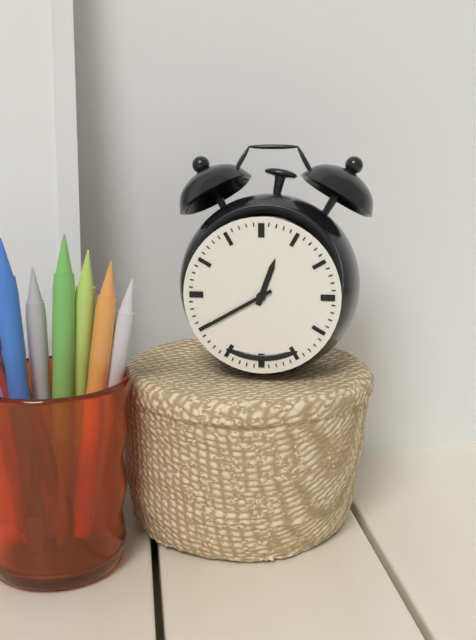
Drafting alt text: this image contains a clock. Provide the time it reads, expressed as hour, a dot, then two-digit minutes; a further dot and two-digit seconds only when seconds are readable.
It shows 12.40
